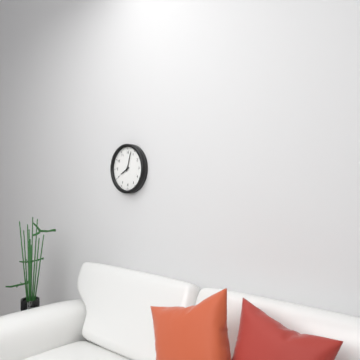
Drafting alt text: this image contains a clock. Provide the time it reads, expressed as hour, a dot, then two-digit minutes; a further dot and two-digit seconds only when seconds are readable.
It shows 8.03
